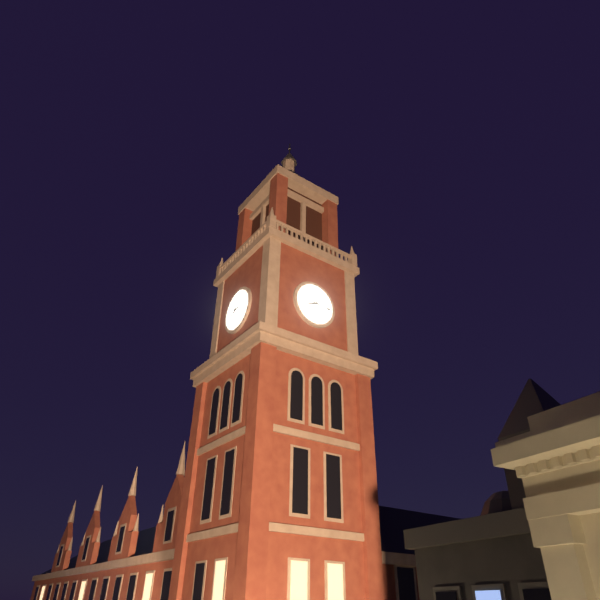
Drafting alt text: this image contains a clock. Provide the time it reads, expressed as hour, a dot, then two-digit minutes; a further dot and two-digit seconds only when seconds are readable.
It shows 8.16
